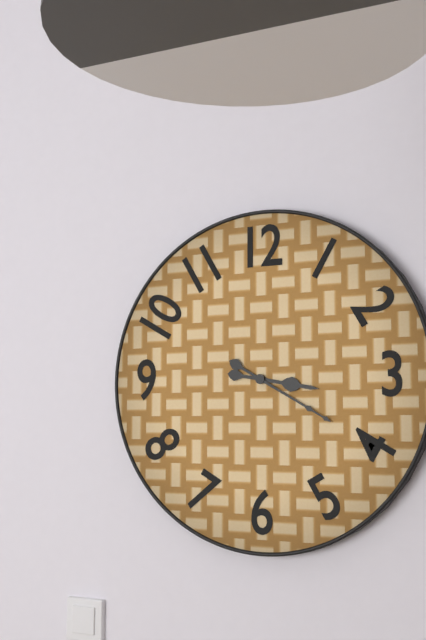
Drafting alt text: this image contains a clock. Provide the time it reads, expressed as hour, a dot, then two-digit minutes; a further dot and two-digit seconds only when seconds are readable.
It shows 3.20
